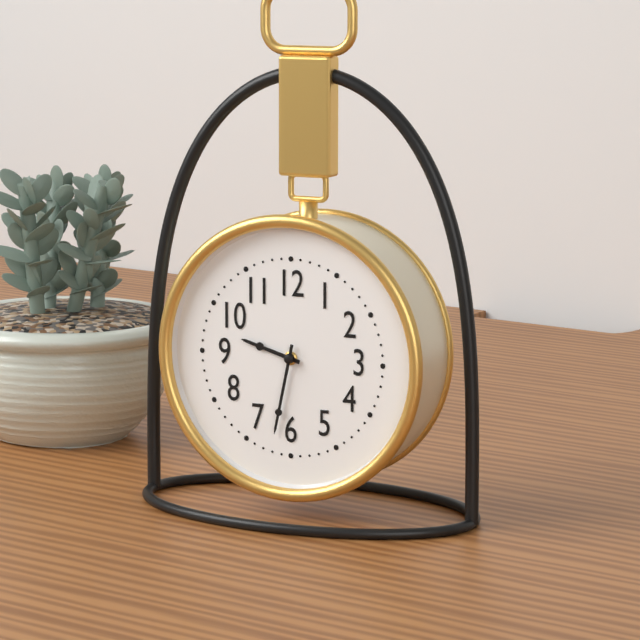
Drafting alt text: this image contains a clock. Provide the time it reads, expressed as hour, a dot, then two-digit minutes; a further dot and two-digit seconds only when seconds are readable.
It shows 9.32
